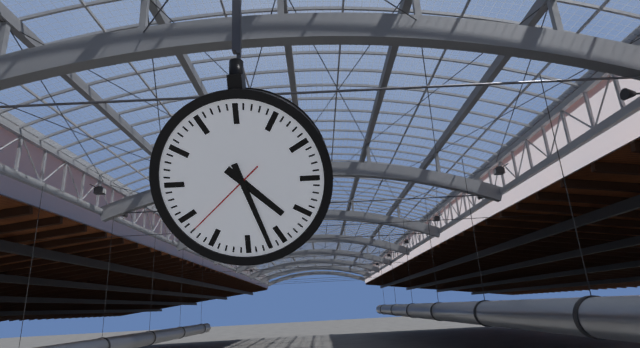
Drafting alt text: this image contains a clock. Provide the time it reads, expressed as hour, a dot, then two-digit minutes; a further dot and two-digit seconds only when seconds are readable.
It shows 4.27.38
